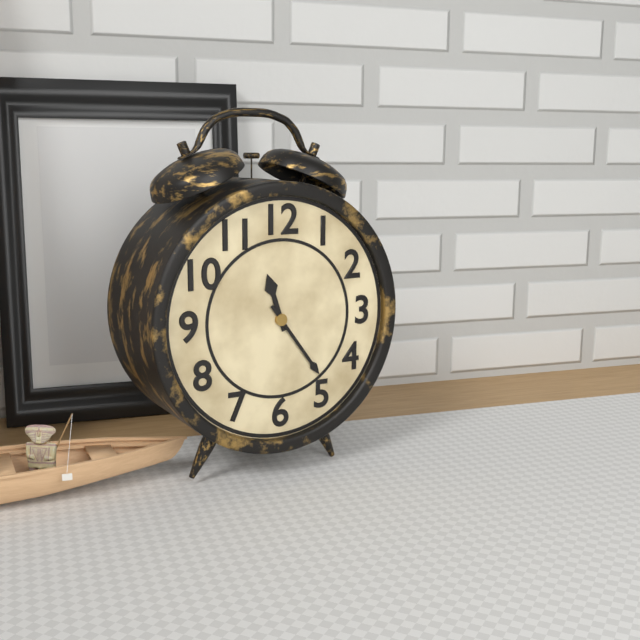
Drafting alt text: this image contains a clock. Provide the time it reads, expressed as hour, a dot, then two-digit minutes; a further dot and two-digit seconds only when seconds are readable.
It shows 11.24
